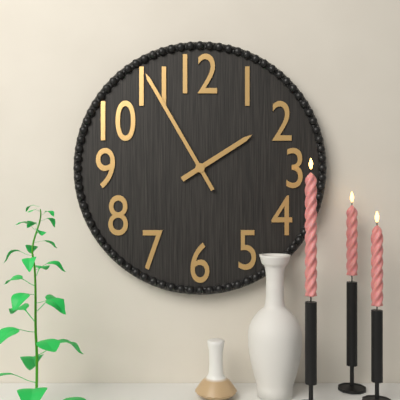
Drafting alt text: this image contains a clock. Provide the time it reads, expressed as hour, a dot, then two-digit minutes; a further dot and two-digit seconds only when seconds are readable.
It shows 1.55
